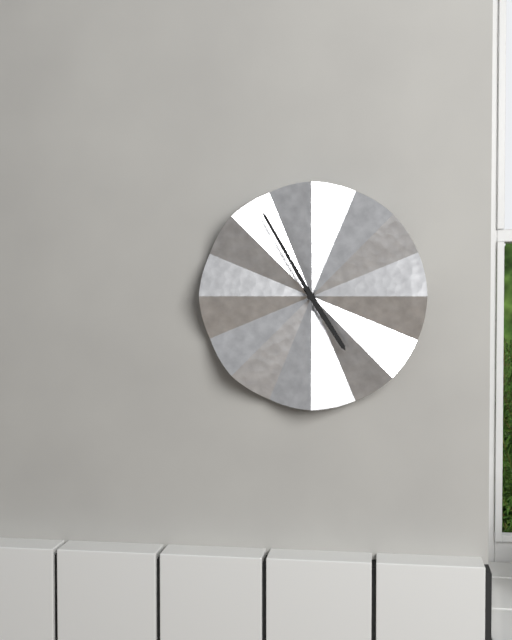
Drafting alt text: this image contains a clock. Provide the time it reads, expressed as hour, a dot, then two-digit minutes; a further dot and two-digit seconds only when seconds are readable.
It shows 4.55
